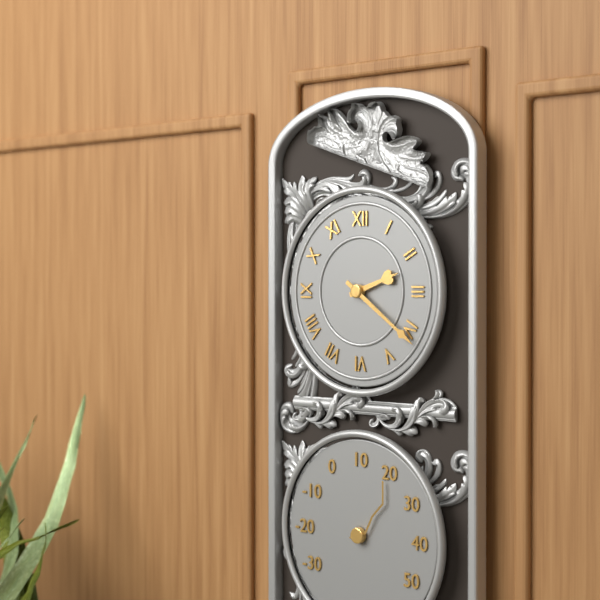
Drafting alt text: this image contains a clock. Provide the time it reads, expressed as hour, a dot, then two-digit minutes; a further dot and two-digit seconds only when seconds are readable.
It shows 2.21
